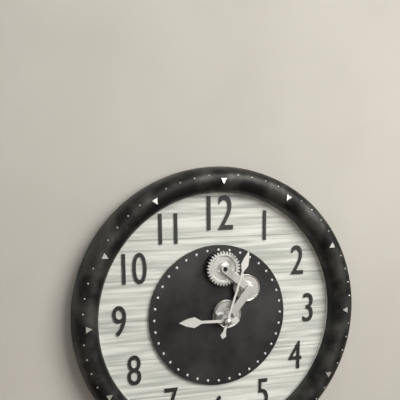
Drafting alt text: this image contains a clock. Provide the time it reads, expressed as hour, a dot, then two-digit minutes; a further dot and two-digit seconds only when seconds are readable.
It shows 9.03
